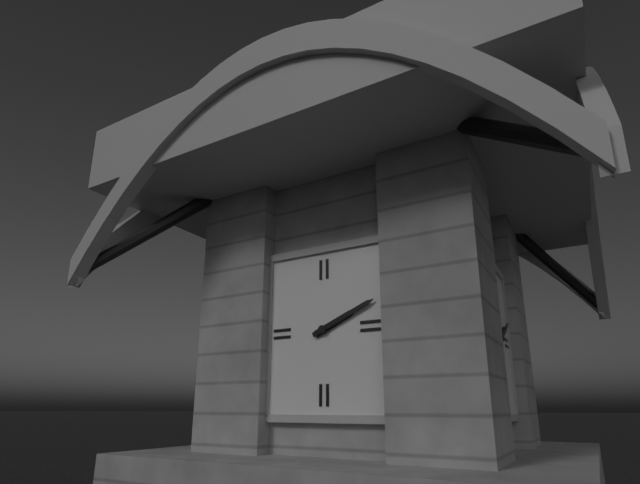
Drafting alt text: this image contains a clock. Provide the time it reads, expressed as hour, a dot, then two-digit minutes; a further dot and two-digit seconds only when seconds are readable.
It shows 2.11
